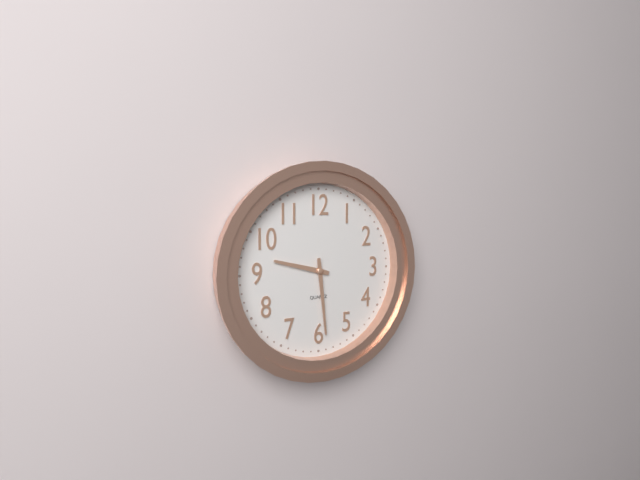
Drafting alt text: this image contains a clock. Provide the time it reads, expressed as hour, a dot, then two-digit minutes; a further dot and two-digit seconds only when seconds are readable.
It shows 9.29
